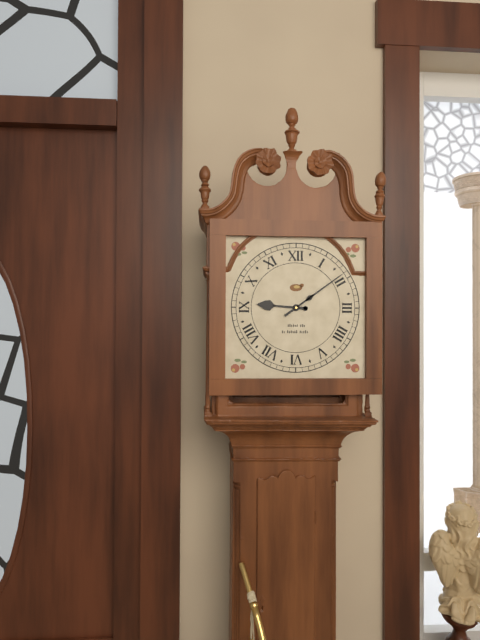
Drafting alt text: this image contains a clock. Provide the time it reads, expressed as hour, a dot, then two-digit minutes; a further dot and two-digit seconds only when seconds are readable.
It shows 9.09
